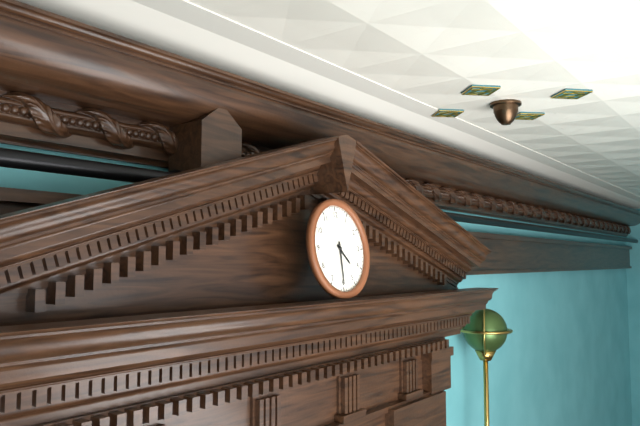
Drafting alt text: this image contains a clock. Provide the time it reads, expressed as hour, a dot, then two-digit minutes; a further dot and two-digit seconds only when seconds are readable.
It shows 4.30
